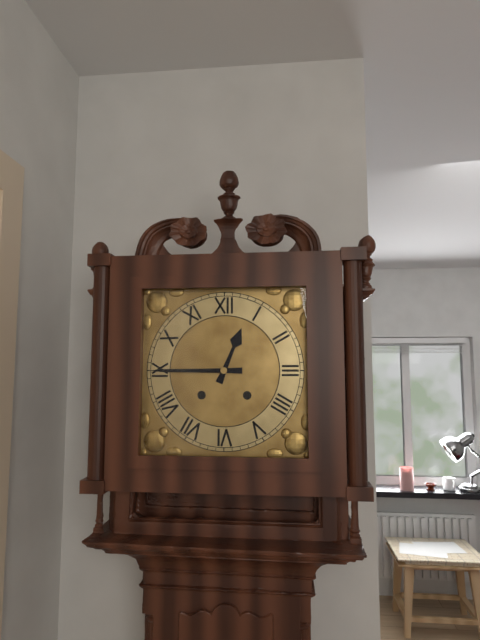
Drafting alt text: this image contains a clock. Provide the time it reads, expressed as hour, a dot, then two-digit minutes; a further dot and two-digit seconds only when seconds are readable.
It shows 12.45
